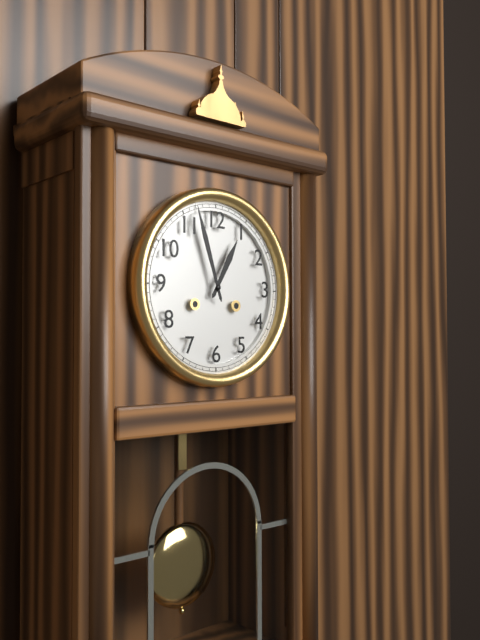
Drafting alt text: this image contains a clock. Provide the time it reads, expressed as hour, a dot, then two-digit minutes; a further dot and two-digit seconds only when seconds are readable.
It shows 12.57
